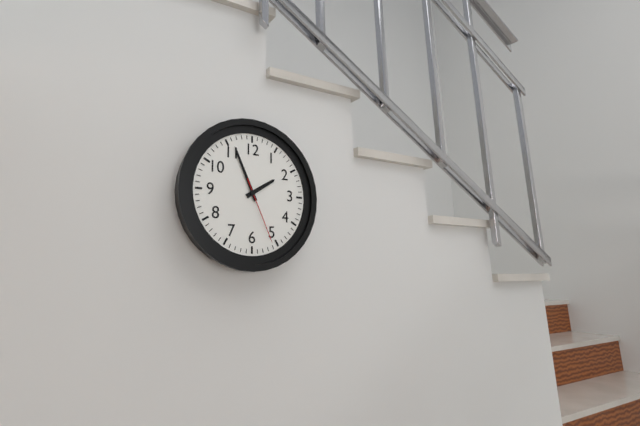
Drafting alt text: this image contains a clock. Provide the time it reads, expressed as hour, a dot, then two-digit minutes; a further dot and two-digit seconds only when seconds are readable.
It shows 1.56.26
